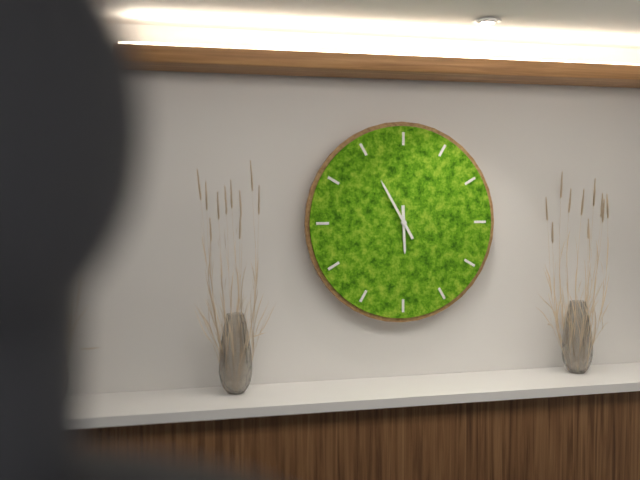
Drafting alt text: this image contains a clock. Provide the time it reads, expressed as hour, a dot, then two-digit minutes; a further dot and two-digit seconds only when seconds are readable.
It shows 5.55
